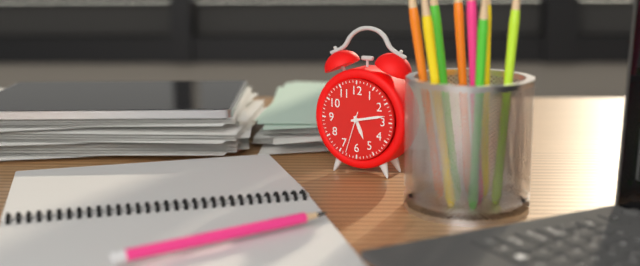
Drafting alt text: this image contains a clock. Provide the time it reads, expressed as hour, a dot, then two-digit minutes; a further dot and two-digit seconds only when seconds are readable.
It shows 5.13
